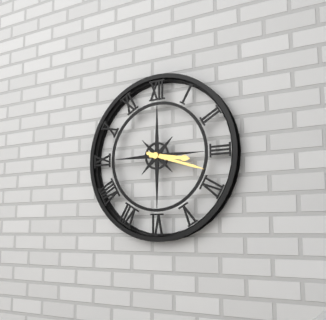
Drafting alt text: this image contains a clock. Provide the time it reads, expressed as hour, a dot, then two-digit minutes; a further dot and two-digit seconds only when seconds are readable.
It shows 3.18
